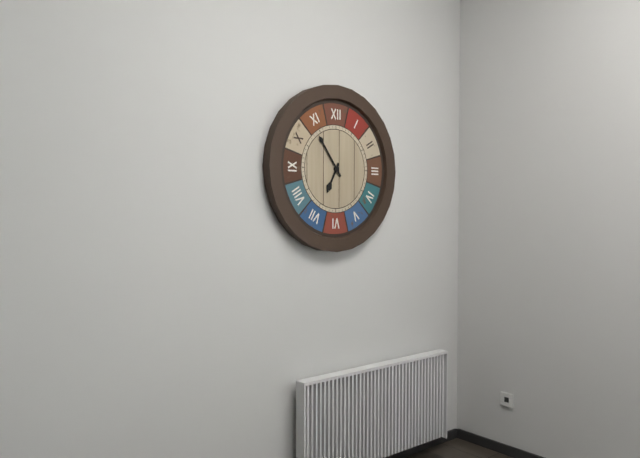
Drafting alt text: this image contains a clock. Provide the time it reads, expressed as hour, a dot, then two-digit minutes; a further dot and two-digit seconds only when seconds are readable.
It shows 6.54
